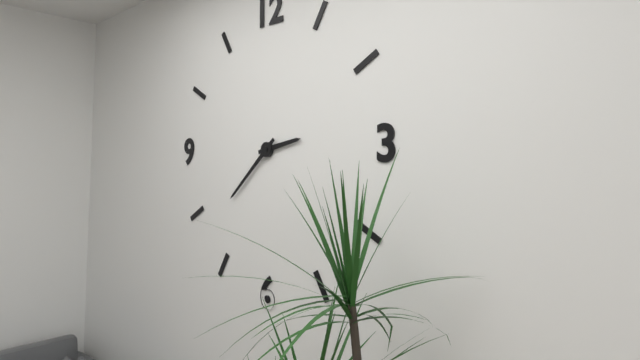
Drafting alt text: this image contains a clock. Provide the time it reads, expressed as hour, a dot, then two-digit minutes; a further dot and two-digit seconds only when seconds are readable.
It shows 2.38
